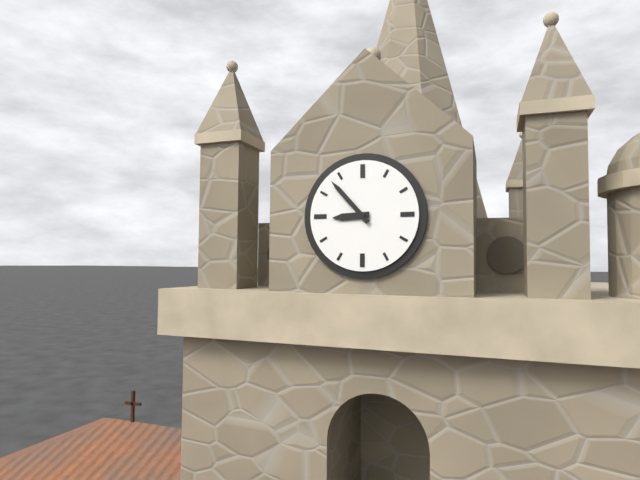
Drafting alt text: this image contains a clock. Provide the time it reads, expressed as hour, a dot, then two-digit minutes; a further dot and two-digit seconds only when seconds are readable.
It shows 8.53
